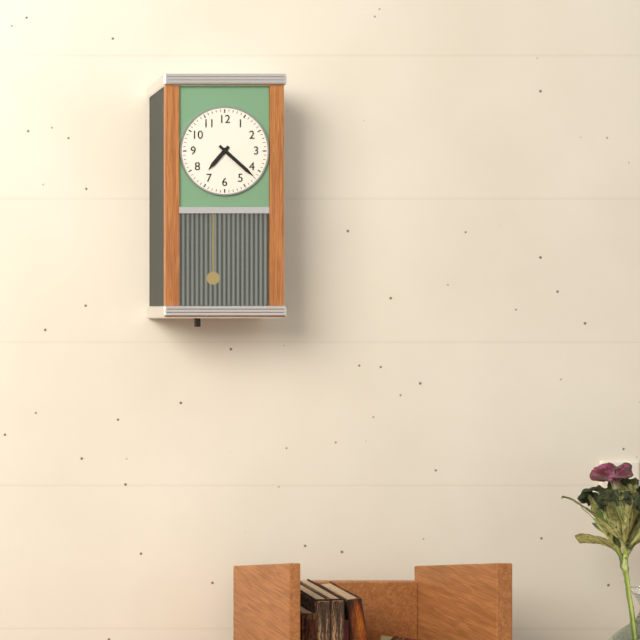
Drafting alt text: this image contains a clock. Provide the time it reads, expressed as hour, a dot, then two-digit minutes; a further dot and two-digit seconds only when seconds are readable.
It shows 7.22
